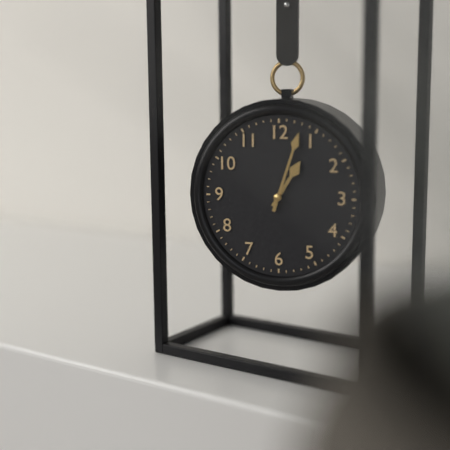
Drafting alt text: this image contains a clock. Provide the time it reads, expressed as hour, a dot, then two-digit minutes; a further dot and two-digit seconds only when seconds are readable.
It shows 1.03
